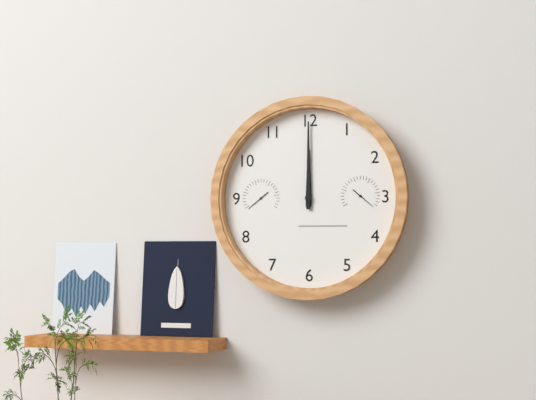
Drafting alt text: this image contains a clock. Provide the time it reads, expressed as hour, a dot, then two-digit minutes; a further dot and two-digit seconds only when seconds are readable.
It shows 12.00
